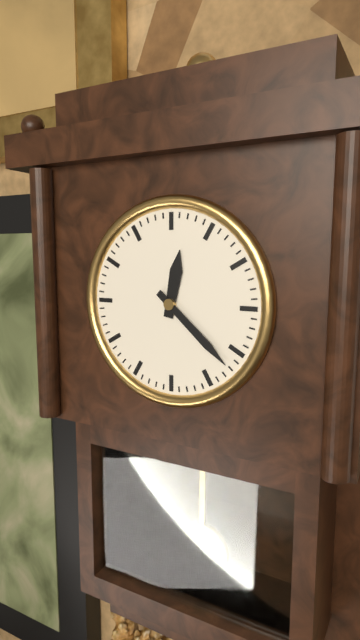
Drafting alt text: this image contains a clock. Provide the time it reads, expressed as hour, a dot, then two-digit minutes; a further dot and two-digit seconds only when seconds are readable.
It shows 12.22
